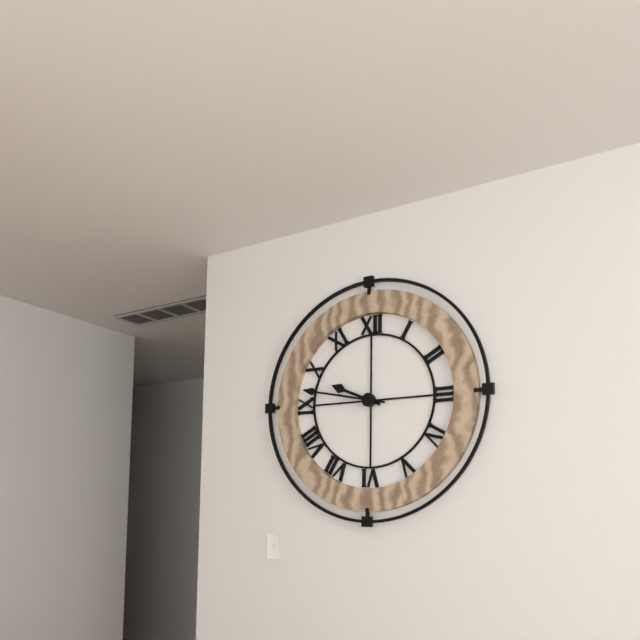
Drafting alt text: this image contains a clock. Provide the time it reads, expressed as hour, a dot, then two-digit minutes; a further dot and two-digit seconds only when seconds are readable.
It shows 9.47
